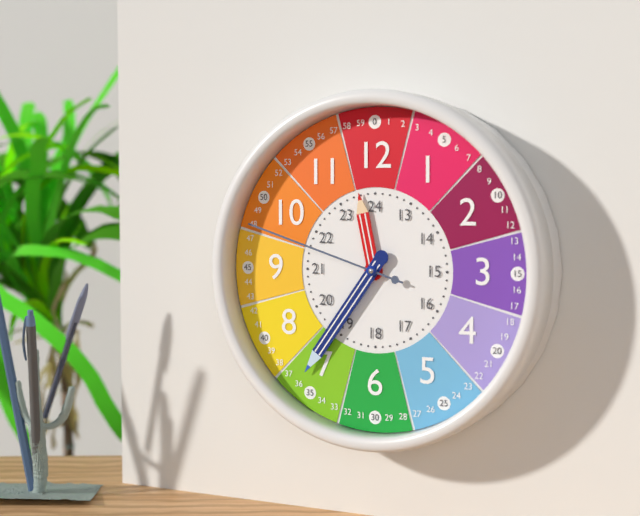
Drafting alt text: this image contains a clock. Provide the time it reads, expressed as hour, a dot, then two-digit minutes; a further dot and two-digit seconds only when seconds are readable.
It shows 11.36.48
